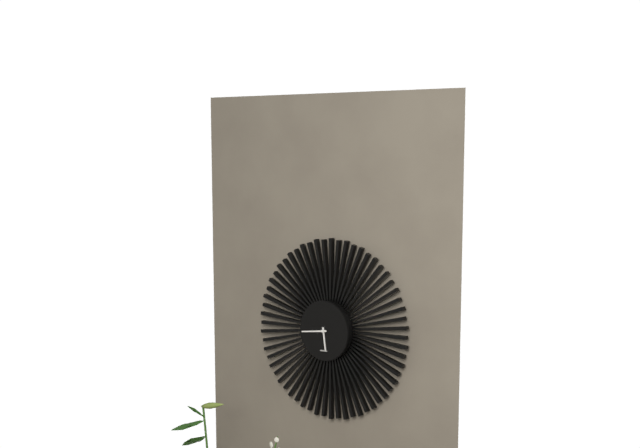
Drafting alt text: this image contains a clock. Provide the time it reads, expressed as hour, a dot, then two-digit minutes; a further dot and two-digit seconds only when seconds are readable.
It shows 5.44
